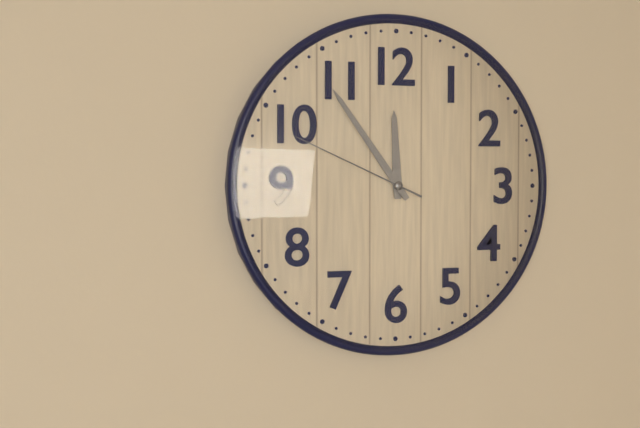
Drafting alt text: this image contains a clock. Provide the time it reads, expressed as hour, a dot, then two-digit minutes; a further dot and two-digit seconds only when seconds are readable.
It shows 11.54.49
